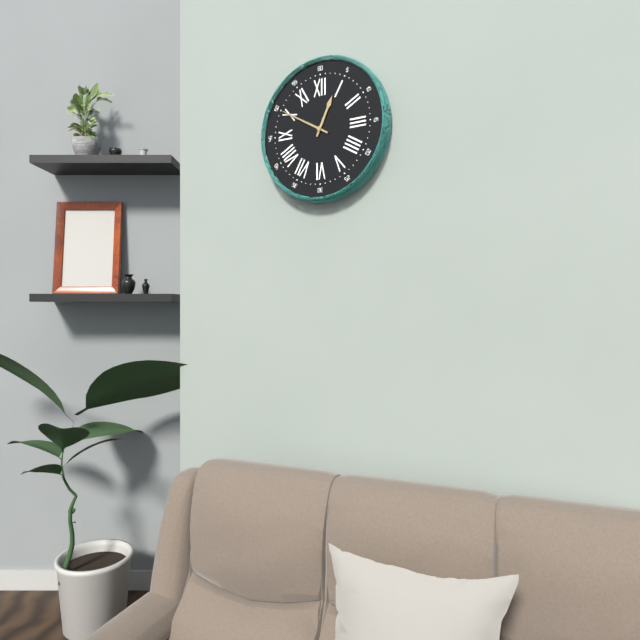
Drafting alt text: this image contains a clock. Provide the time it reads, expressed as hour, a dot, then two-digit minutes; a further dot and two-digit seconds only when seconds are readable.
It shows 12.50
